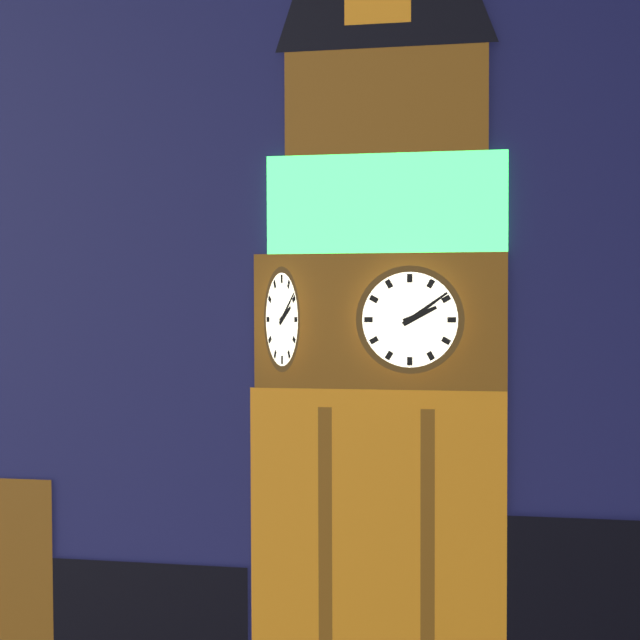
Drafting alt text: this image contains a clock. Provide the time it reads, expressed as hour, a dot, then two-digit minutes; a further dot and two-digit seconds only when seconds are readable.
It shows 2.09
